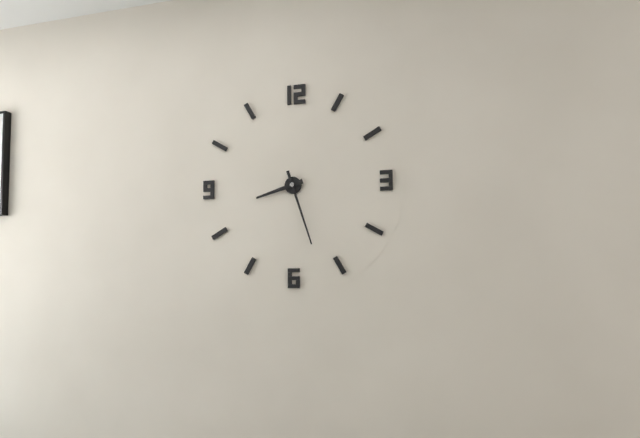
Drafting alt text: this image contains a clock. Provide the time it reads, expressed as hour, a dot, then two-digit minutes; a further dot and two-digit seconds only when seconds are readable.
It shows 8.27
